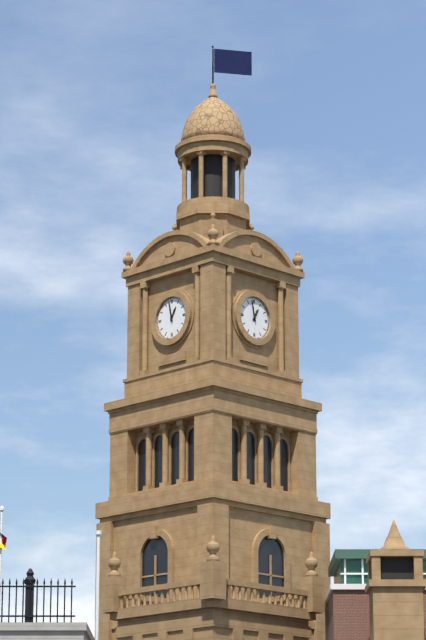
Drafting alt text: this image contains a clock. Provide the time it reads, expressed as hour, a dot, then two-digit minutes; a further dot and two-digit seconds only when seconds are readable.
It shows 12.58
